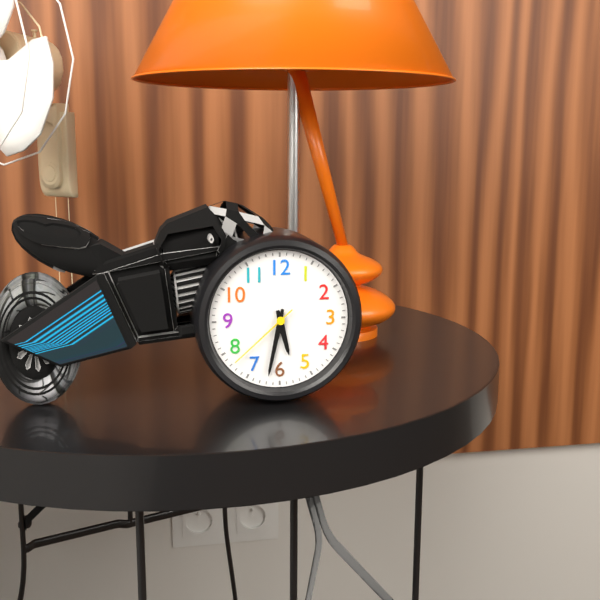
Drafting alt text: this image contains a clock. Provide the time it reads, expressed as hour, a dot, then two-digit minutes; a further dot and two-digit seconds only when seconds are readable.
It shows 5.32.38
